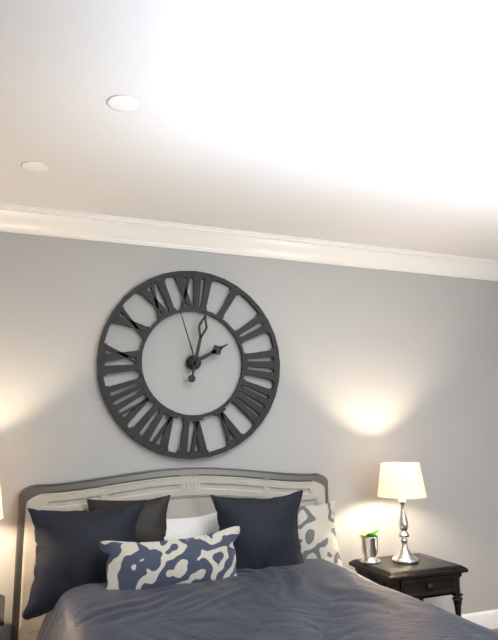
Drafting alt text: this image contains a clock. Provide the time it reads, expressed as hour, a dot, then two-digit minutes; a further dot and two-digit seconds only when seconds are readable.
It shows 2.02.57
